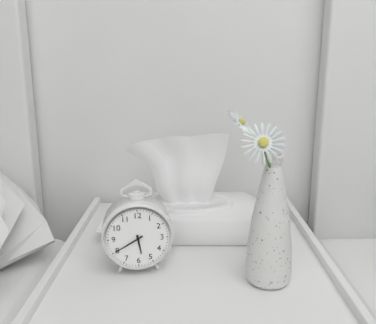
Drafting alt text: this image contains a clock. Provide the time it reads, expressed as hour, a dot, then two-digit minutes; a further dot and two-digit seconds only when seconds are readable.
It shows 5.40
